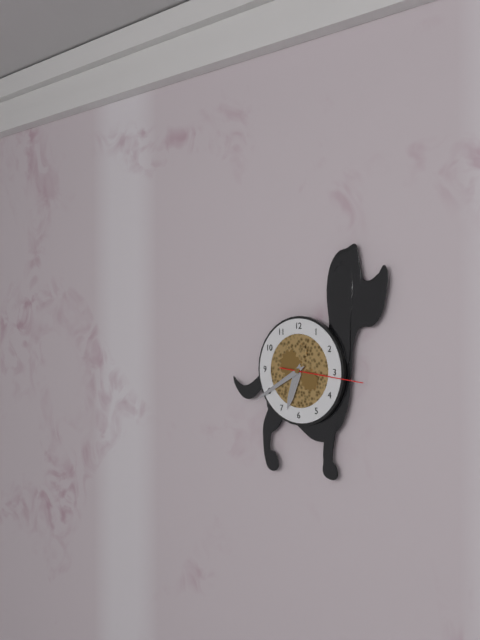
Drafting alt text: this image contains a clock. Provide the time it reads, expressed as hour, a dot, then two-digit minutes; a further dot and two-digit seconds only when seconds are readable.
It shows 6.40.16
